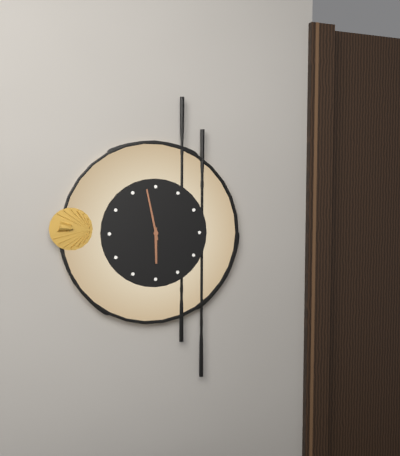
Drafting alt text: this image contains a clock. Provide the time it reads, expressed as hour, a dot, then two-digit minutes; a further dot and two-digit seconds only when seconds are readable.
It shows 5.58
